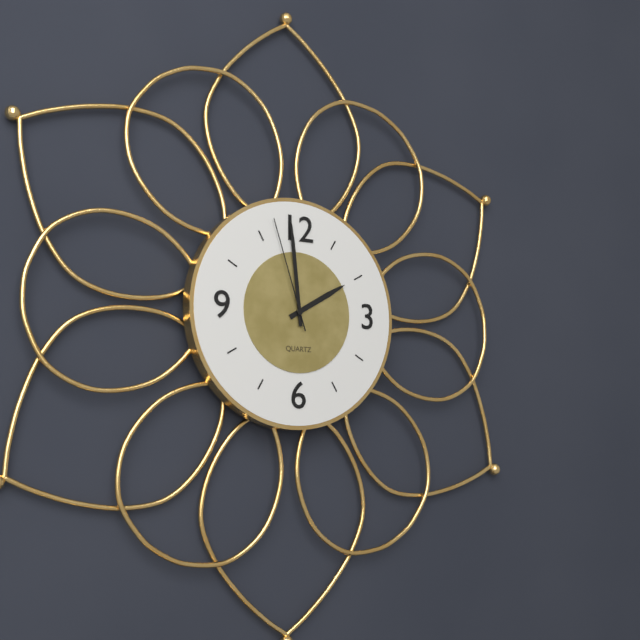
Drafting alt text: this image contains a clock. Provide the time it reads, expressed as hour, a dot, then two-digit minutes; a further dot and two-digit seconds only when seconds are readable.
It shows 1.59.57
